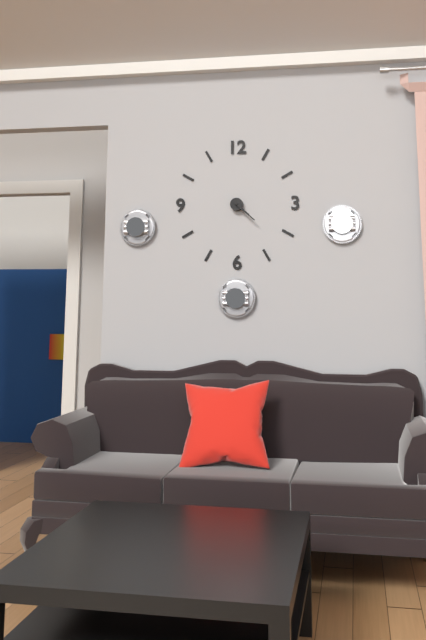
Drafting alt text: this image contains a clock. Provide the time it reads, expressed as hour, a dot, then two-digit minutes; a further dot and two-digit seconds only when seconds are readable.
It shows 4.22
